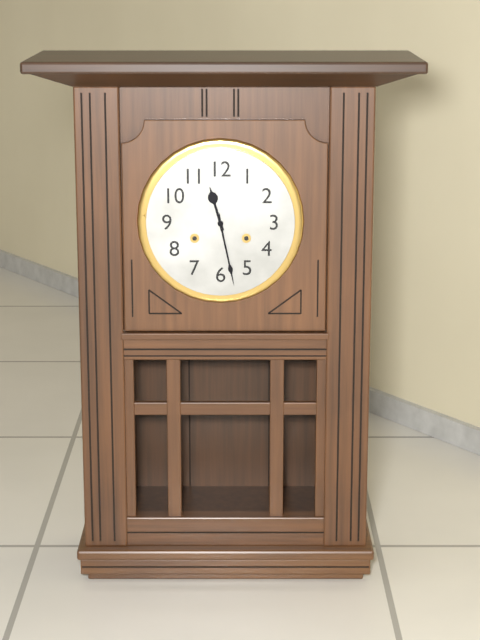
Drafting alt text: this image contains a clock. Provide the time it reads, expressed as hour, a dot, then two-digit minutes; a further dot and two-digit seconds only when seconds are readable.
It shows 11.28
